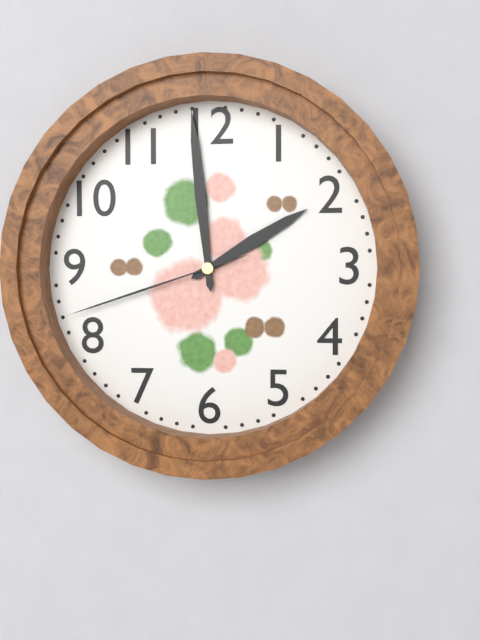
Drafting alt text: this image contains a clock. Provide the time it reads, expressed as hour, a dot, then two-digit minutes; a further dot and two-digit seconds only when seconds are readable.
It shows 1.59.42
